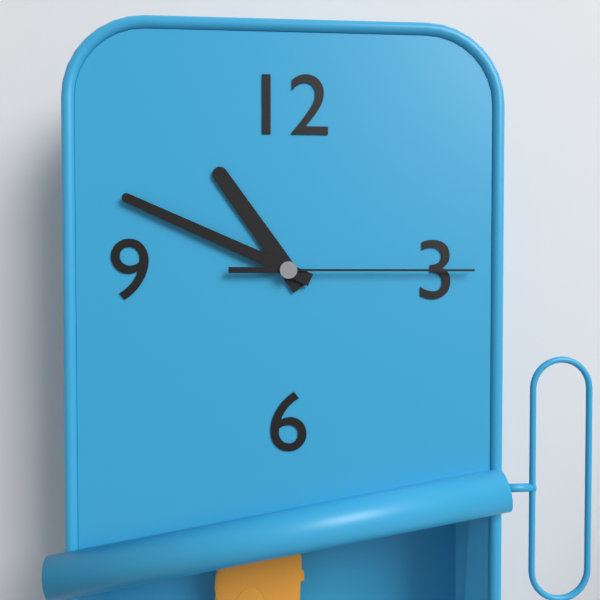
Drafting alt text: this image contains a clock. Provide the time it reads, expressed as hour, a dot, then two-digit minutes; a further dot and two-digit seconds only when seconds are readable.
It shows 10.49.15
